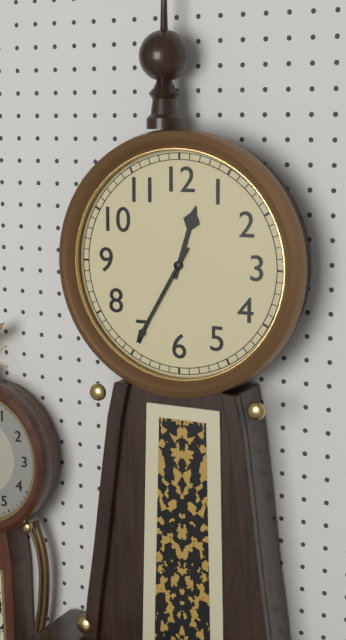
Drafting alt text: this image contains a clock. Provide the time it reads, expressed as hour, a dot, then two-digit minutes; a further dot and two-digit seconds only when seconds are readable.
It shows 12.35
